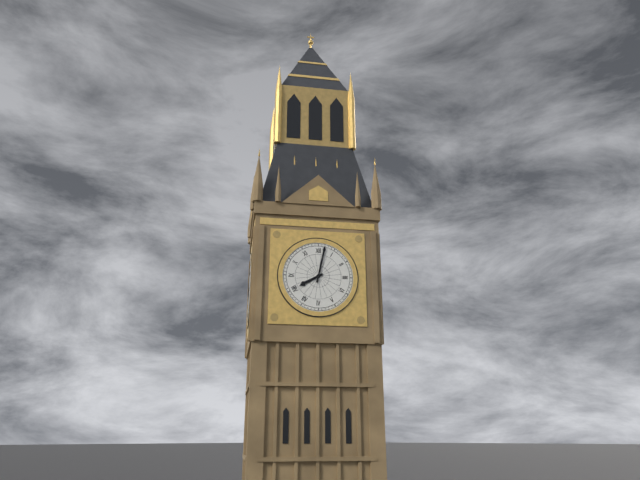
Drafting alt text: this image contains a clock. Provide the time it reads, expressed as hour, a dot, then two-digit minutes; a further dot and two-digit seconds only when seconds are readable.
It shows 8.02
